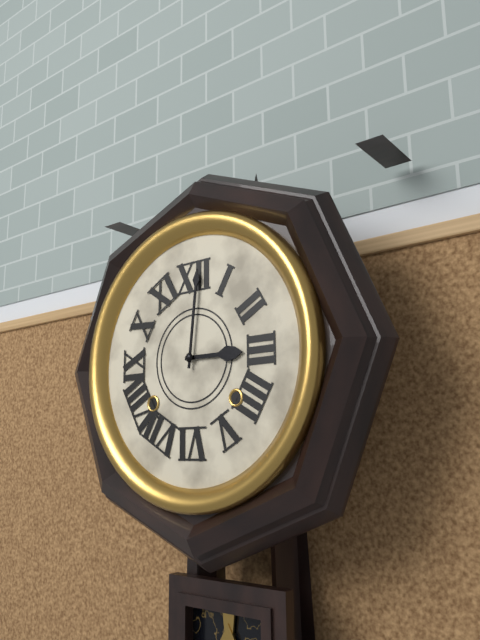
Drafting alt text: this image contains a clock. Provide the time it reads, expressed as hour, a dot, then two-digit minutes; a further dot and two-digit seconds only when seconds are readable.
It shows 3.01
